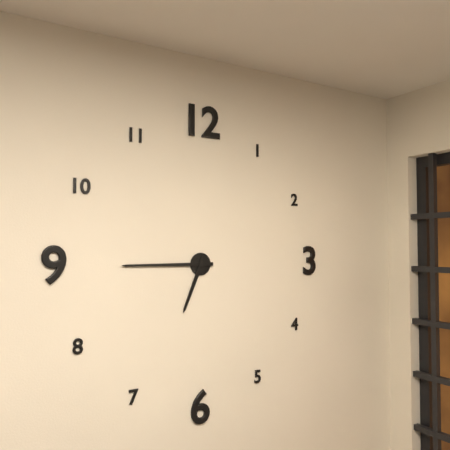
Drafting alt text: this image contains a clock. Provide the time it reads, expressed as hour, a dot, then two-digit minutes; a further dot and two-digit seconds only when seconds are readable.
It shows 6.45
